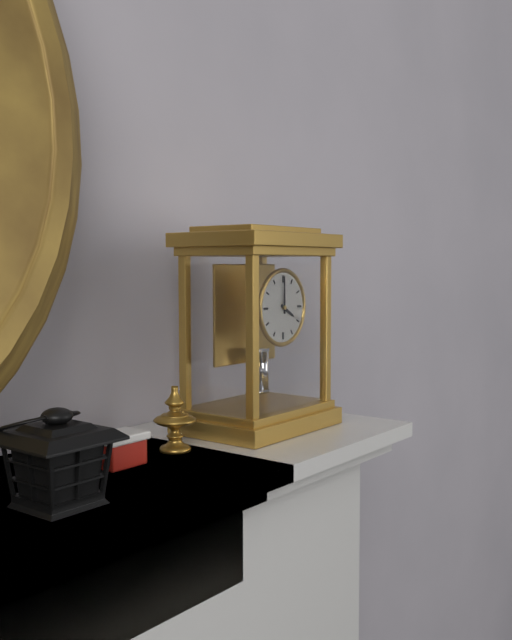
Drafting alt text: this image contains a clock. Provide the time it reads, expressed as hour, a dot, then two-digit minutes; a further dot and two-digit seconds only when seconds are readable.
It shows 4.00
